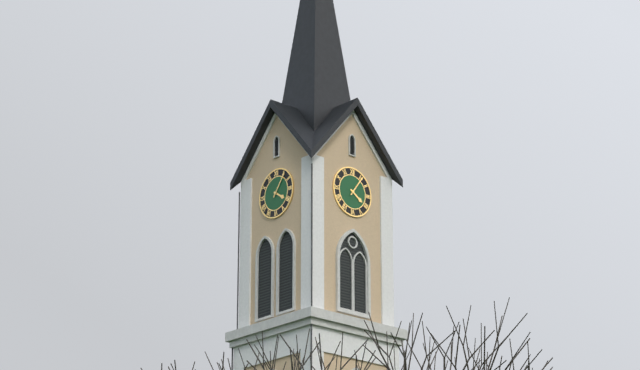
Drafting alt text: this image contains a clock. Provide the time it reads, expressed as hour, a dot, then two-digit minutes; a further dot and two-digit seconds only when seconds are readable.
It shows 4.06
